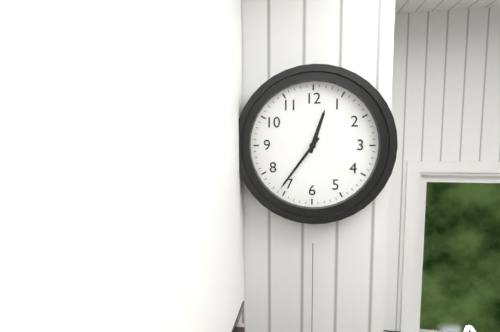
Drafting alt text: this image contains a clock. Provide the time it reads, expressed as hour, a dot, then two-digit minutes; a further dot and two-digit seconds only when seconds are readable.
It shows 12.36
